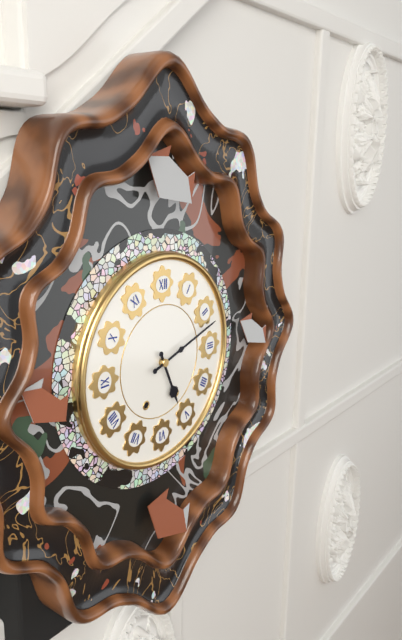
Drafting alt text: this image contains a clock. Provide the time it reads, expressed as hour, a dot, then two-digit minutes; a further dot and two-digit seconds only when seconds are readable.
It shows 5.12
